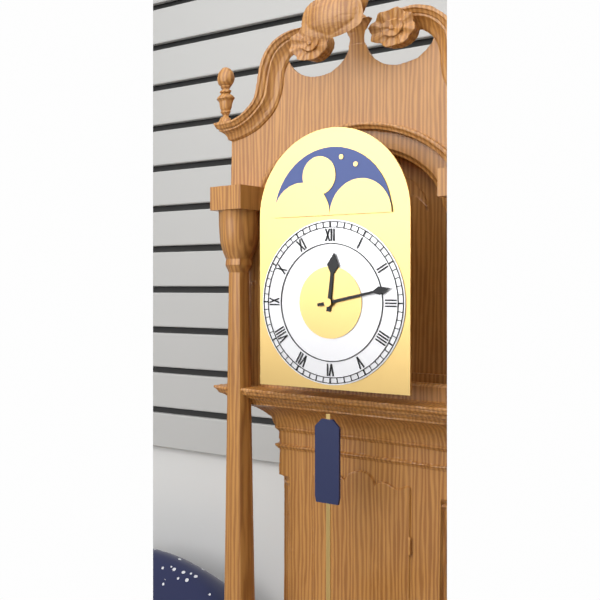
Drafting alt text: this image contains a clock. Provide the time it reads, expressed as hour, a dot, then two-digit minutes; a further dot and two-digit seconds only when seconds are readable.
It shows 12.13
